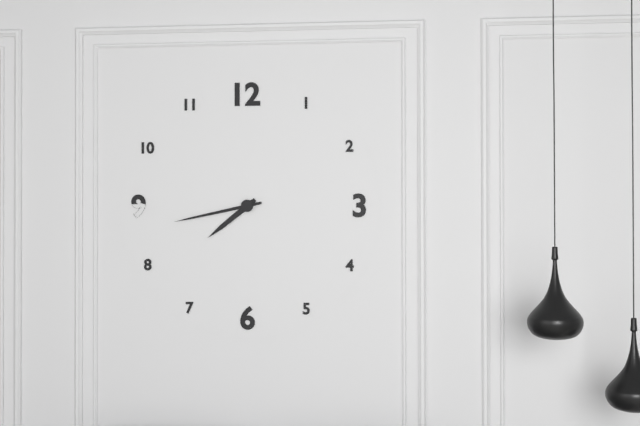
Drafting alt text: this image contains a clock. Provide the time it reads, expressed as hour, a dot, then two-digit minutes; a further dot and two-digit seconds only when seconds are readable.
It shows 7.43
